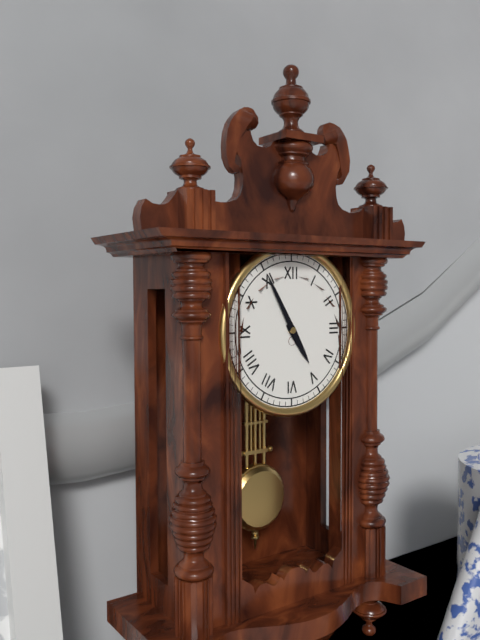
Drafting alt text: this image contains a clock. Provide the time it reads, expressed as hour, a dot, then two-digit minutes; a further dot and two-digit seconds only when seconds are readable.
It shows 4.55
